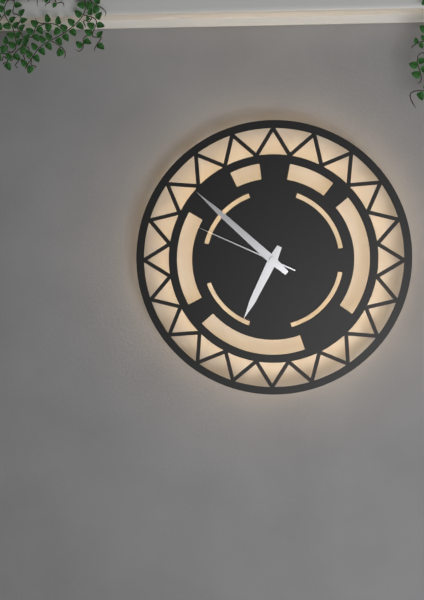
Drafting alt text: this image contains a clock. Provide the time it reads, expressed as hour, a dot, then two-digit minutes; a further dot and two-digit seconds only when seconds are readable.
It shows 6.52.49
